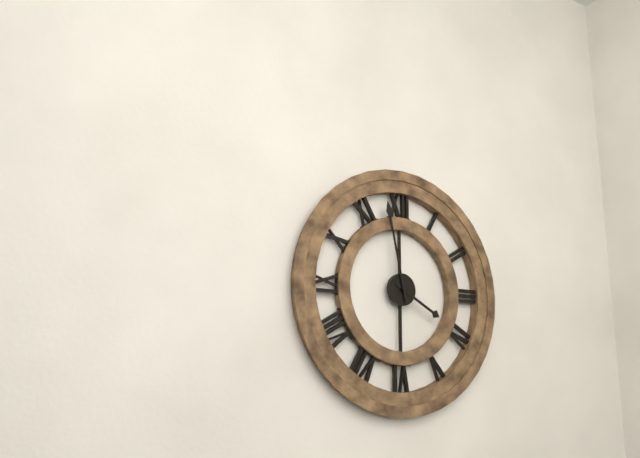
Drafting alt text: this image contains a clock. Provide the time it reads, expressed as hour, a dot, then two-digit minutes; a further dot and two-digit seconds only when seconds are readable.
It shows 3.58
